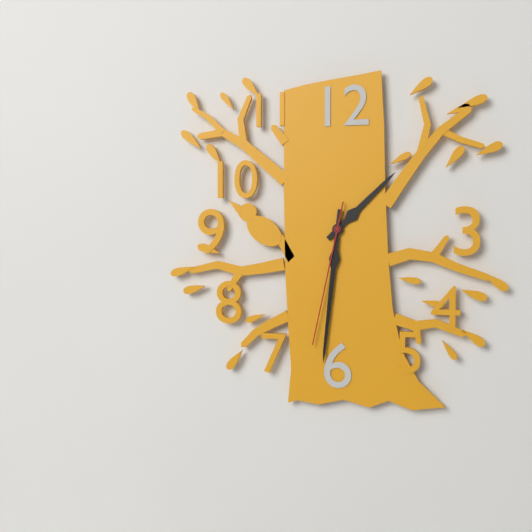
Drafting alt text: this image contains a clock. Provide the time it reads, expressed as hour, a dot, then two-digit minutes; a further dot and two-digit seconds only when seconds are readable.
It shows 1.31.32
